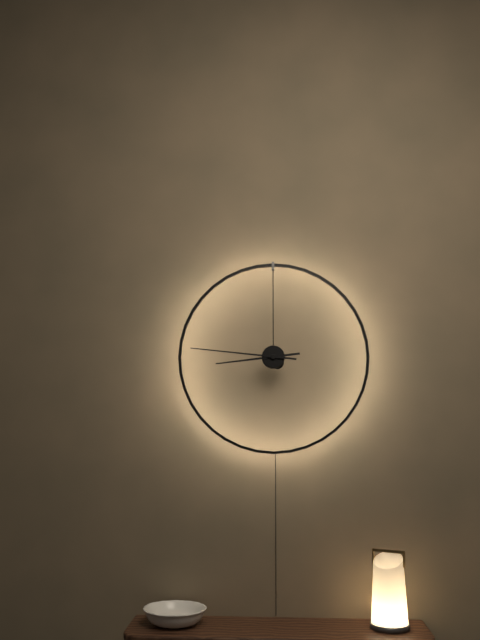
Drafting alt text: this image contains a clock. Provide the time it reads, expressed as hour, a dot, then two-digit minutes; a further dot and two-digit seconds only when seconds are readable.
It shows 8.46
